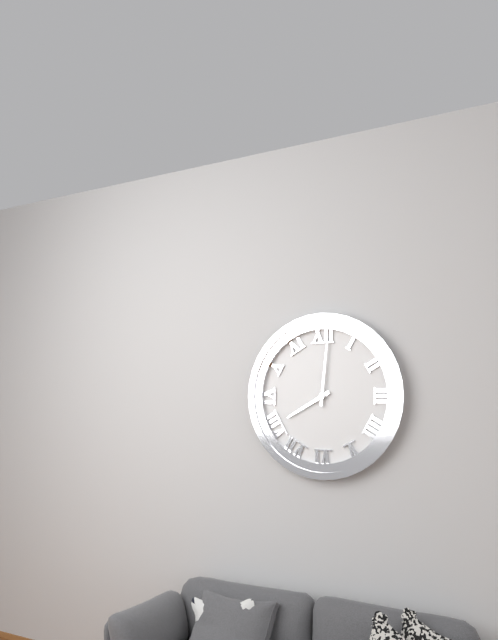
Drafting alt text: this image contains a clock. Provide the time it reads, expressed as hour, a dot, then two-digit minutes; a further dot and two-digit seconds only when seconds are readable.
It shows 8.01
